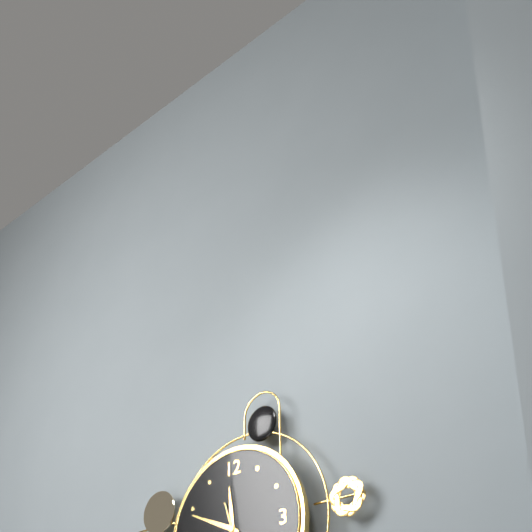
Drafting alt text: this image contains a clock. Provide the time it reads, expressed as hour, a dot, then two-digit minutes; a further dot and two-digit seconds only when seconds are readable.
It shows 11.49
